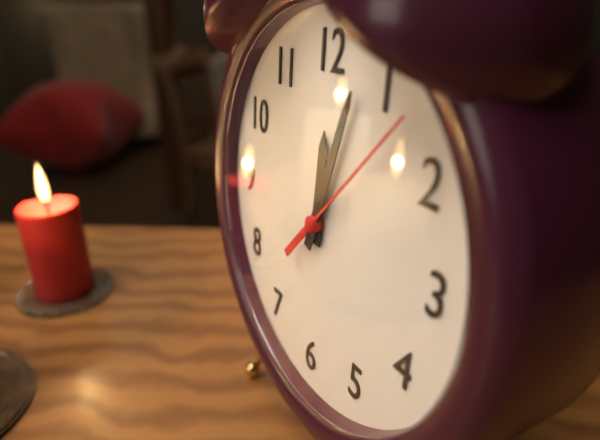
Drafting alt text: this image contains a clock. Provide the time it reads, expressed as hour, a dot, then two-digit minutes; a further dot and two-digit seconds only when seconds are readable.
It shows 12.03.07
